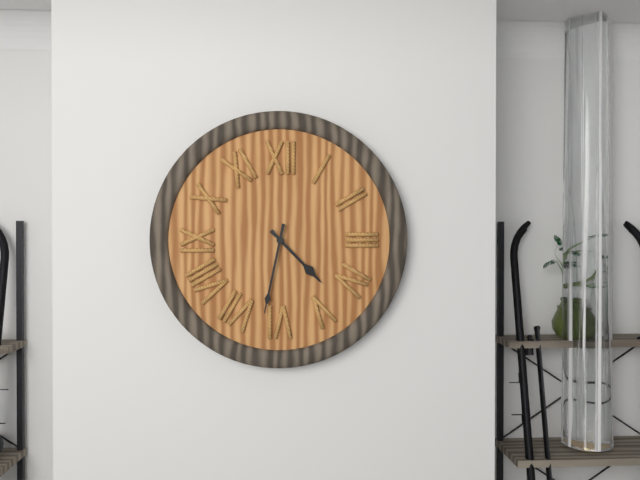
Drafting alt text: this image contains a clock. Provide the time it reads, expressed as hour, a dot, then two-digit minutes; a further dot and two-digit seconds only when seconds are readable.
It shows 4.32
